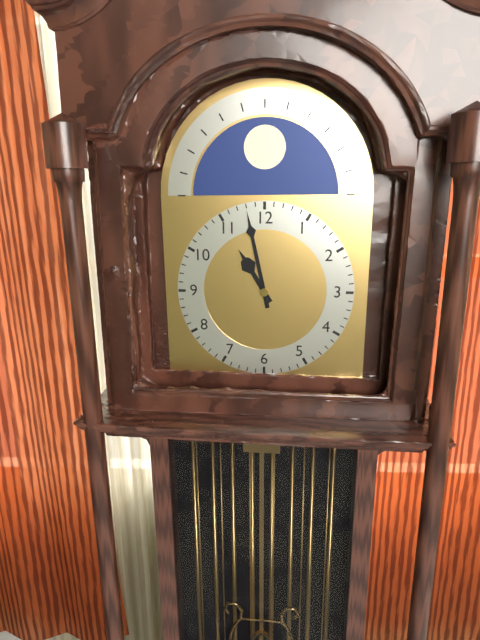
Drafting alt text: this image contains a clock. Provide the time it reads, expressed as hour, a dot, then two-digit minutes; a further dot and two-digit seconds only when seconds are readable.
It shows 10.58
